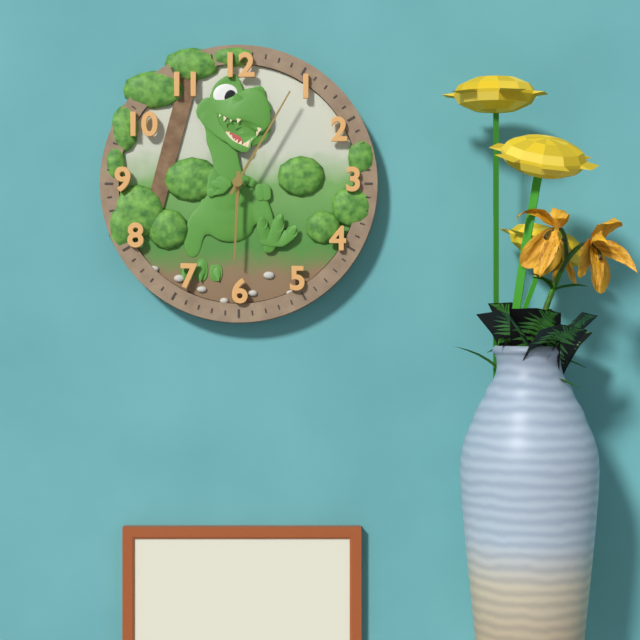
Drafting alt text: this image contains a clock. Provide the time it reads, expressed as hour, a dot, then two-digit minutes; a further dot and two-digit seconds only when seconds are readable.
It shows 6.05
